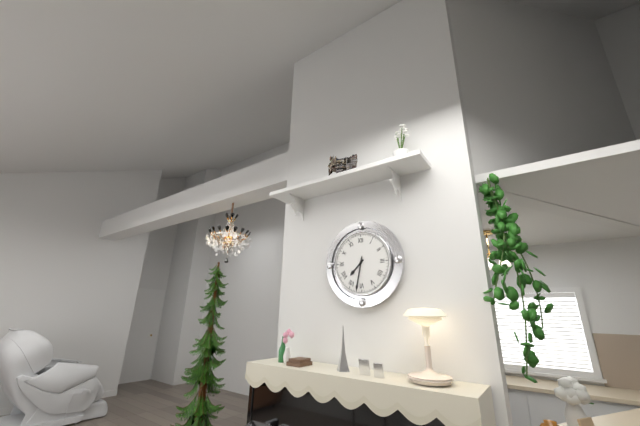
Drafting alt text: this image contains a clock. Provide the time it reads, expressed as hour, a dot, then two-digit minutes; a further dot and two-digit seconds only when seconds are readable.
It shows 7.32
